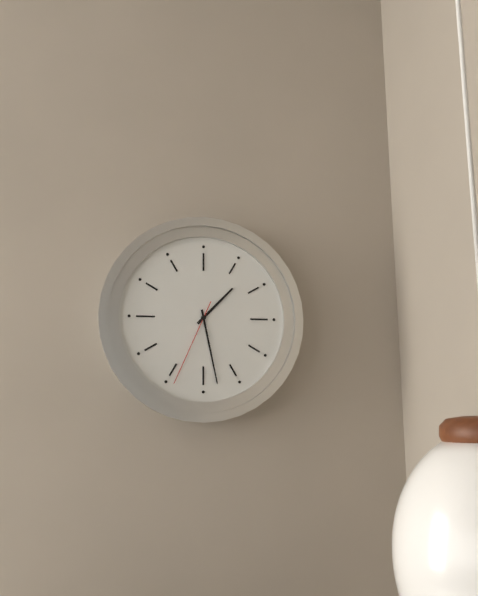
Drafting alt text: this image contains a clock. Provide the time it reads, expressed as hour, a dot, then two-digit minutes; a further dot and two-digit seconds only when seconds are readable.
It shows 1.28.34
